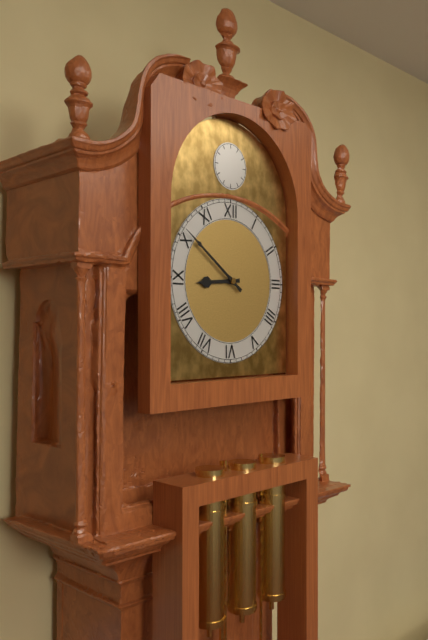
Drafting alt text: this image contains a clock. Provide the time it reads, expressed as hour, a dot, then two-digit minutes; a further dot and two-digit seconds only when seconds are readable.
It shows 8.51
